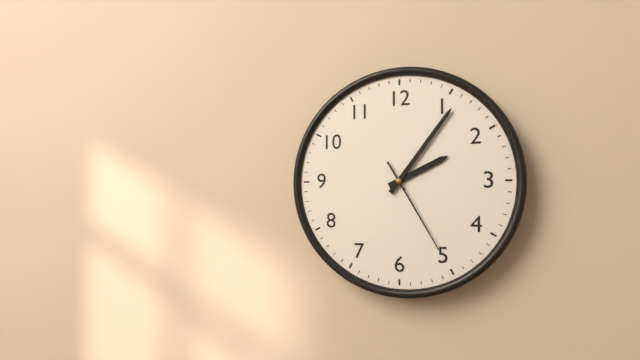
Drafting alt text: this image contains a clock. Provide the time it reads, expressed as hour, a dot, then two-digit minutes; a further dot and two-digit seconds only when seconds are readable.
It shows 2.06.25
